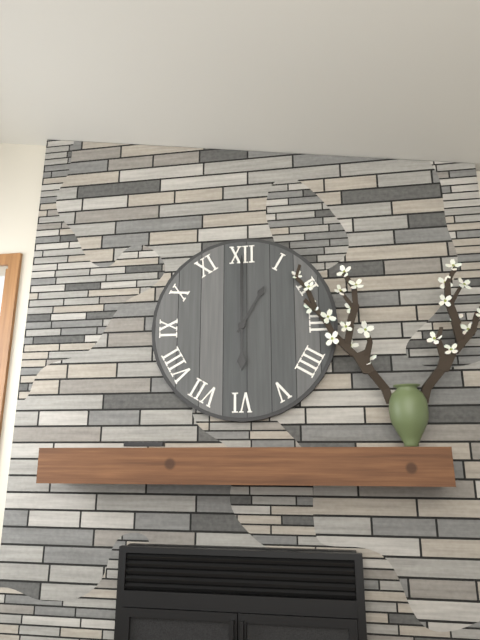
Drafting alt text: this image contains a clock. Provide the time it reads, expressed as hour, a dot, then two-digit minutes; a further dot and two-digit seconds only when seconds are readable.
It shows 1.00
